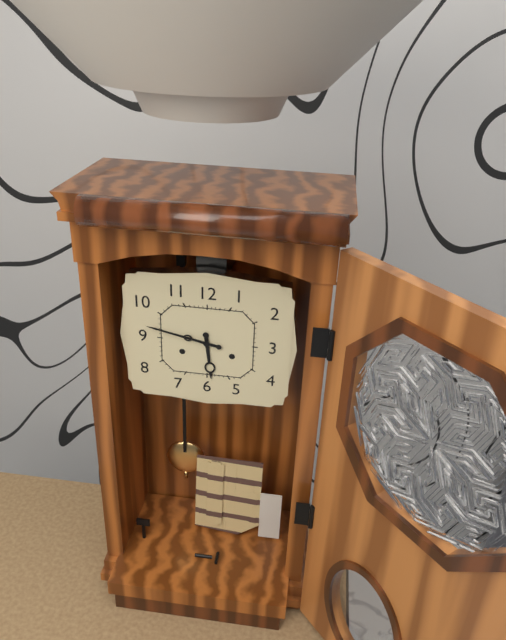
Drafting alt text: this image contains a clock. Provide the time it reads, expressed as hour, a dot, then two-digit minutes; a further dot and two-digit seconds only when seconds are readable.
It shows 5.47
